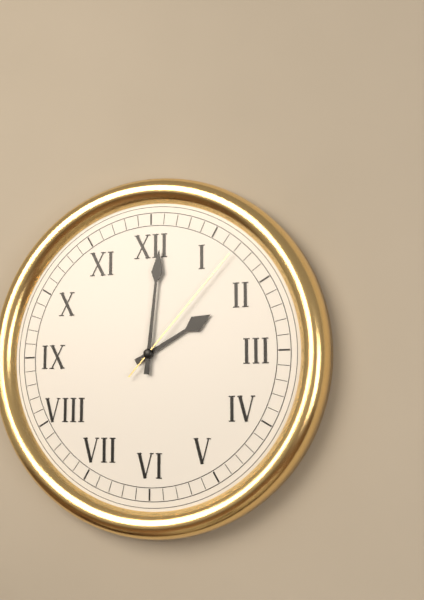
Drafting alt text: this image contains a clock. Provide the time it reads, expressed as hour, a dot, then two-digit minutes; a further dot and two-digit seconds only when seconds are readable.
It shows 2.01.07
